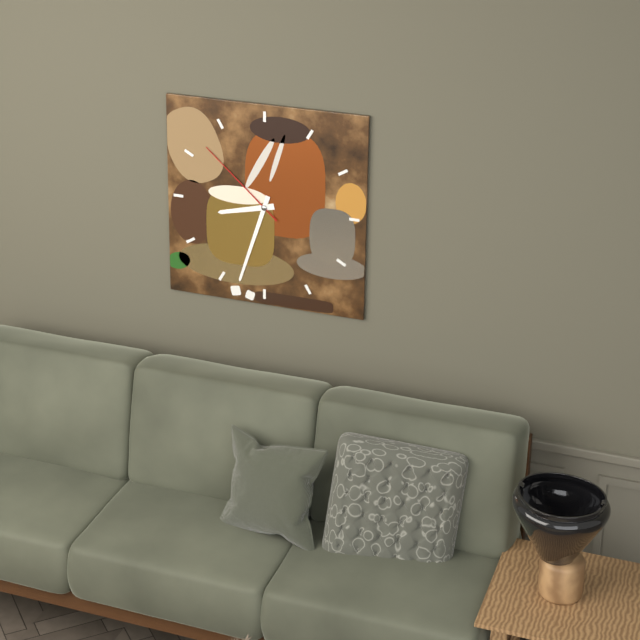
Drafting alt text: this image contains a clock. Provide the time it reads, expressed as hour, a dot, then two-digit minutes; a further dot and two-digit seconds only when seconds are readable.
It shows 8.33.52
